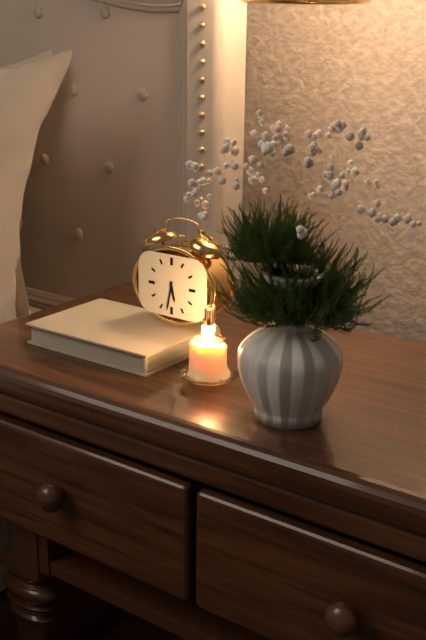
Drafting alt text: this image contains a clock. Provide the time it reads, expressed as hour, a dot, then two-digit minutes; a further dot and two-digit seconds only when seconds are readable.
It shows 5.32
